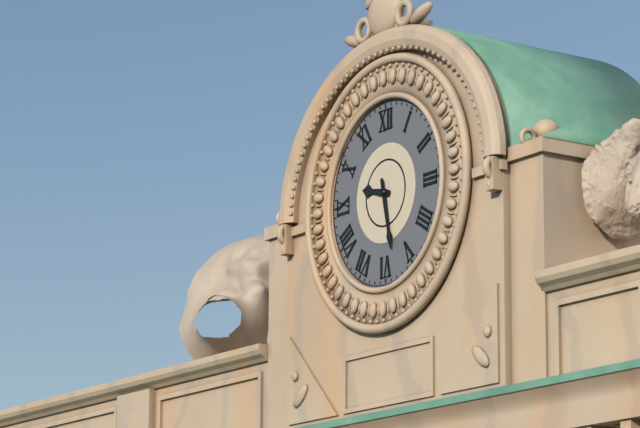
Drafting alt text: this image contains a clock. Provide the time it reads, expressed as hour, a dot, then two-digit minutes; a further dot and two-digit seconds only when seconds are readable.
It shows 9.28
